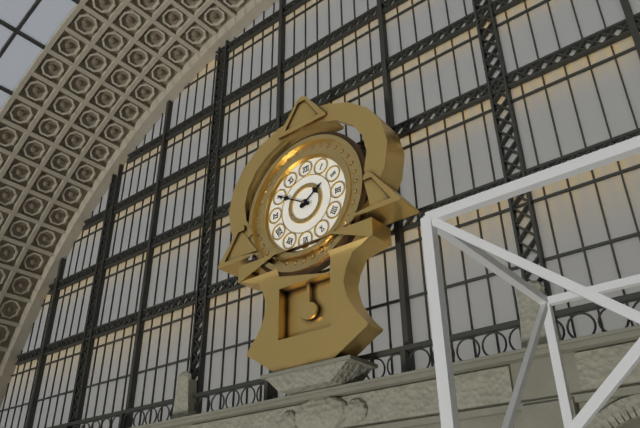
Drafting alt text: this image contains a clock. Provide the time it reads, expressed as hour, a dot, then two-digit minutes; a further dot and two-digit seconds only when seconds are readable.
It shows 1.50
